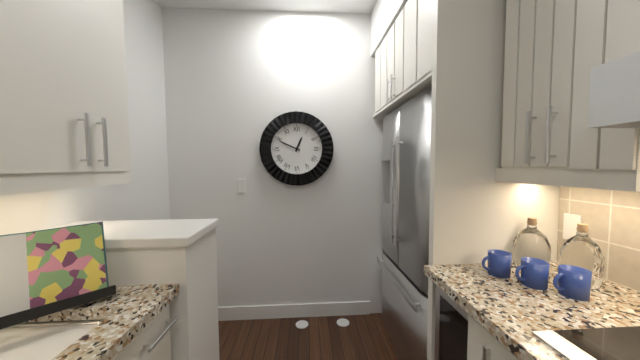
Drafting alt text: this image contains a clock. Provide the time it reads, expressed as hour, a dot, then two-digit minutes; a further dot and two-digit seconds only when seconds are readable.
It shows 12.49
